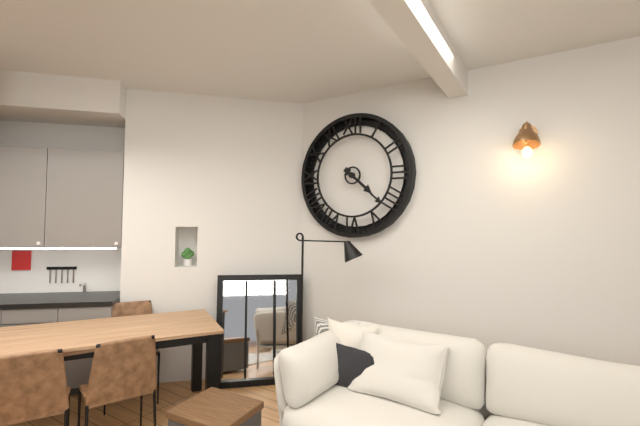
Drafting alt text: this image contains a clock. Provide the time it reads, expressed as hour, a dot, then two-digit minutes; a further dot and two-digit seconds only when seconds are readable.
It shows 4.22
